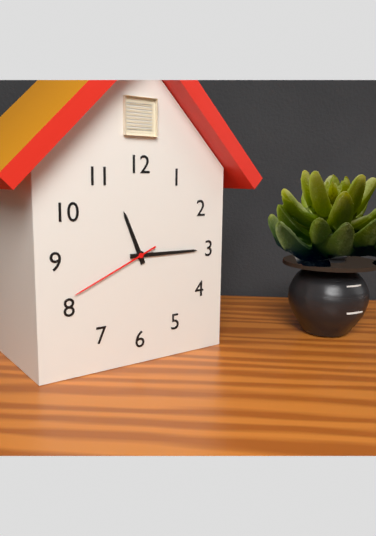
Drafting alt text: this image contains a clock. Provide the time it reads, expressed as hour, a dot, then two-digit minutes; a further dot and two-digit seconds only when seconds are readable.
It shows 11.15.41
